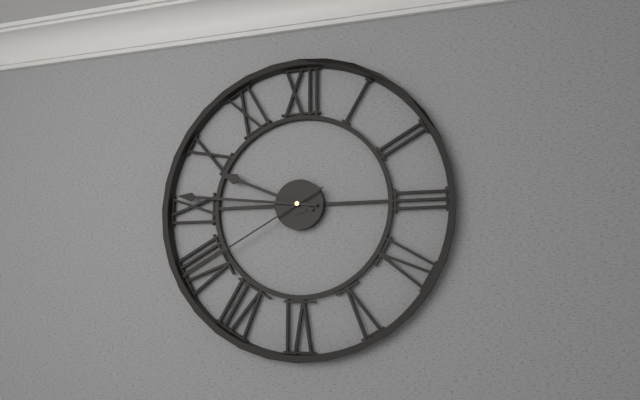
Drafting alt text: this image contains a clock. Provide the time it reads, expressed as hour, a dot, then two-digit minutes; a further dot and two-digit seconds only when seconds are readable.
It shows 9.46.40
